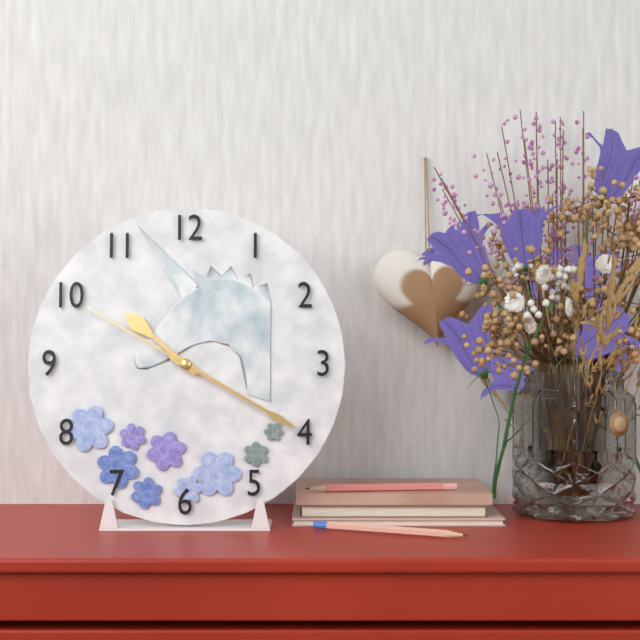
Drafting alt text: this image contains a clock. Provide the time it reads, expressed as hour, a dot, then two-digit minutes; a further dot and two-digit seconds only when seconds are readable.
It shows 10.20.50
